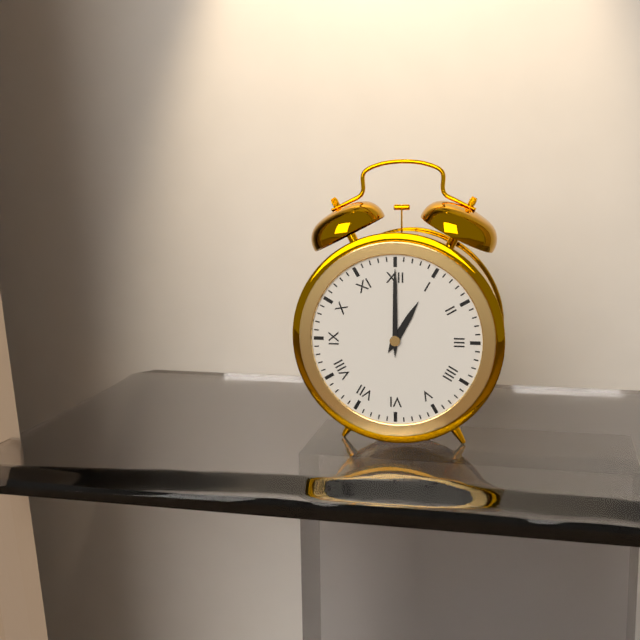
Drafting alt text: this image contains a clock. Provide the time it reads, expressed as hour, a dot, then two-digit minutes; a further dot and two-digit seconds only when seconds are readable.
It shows 1.00
